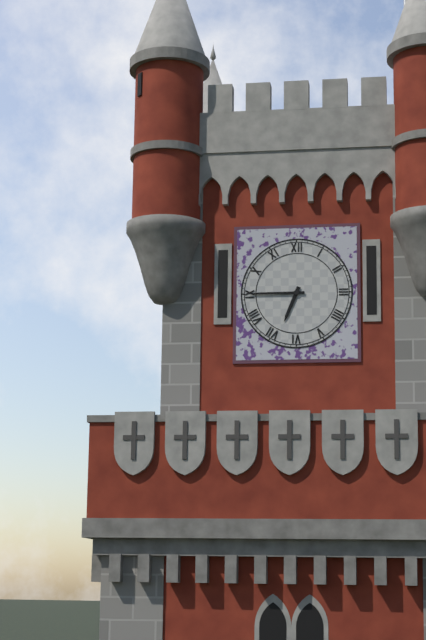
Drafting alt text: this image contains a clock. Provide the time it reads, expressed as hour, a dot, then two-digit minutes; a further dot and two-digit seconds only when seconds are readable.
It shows 6.45
